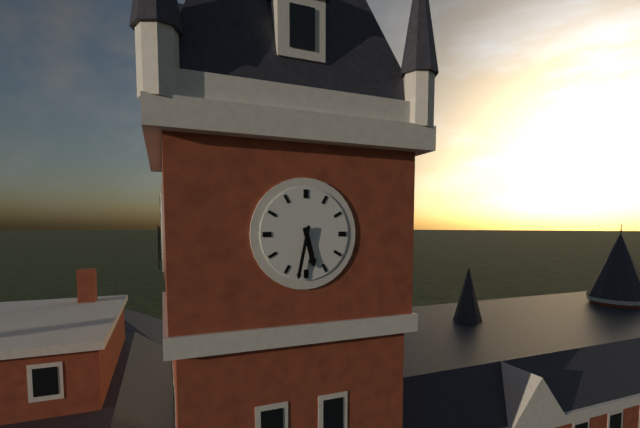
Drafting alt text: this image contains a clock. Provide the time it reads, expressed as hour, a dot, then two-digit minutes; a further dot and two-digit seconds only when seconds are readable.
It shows 5.32
